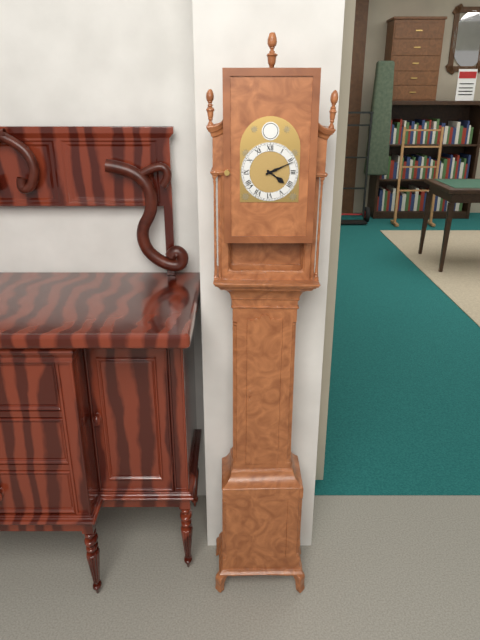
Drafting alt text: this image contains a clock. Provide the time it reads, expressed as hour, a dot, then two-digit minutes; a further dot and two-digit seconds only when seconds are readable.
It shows 4.11
